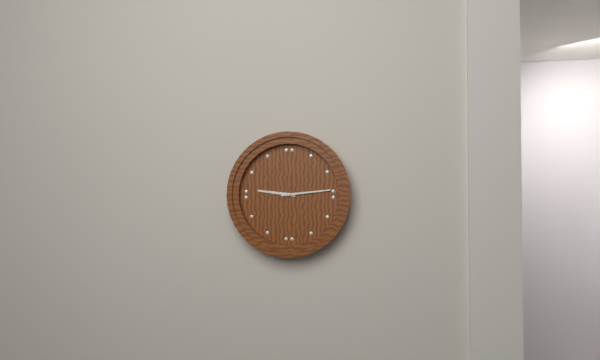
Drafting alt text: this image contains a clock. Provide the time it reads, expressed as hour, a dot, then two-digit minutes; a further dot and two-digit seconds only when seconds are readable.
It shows 9.14
